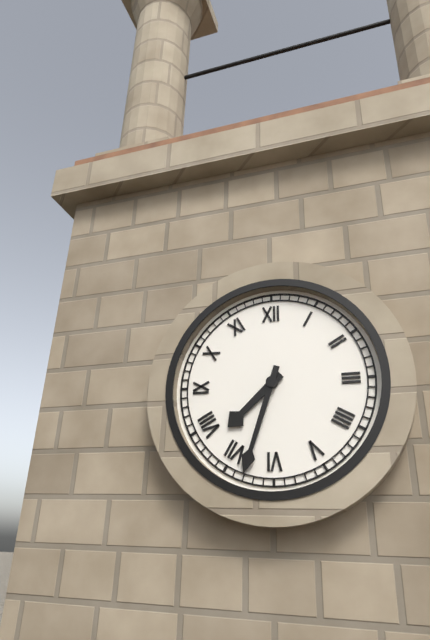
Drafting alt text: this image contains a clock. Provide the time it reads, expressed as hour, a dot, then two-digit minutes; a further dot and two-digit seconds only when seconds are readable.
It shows 7.33
